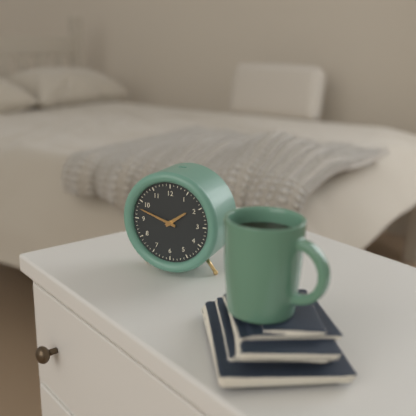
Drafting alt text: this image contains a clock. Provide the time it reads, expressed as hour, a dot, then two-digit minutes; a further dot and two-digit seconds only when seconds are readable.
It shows 1.48
